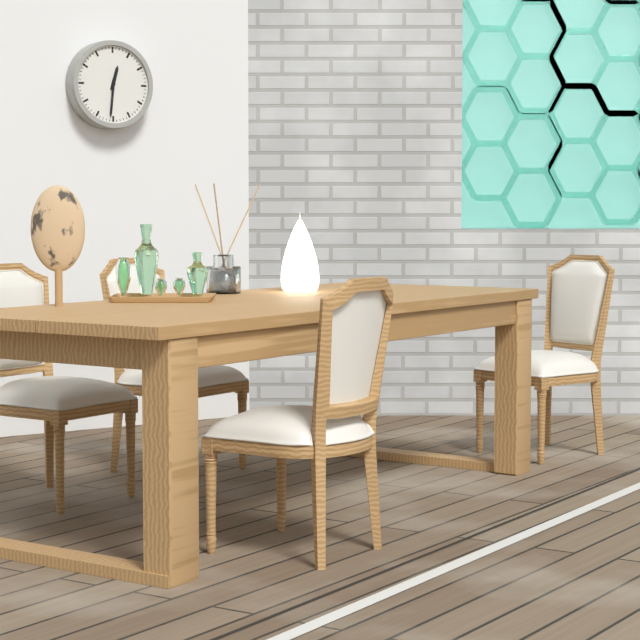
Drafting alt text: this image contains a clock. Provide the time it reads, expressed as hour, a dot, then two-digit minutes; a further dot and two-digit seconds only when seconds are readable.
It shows 12.31
